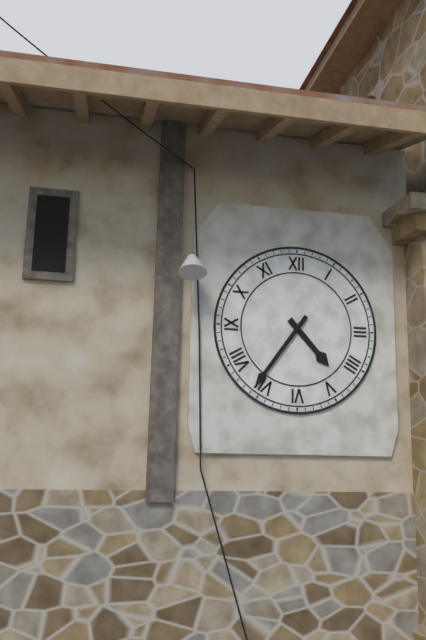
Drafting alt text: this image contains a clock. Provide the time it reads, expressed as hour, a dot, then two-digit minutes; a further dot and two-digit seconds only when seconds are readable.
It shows 4.36
